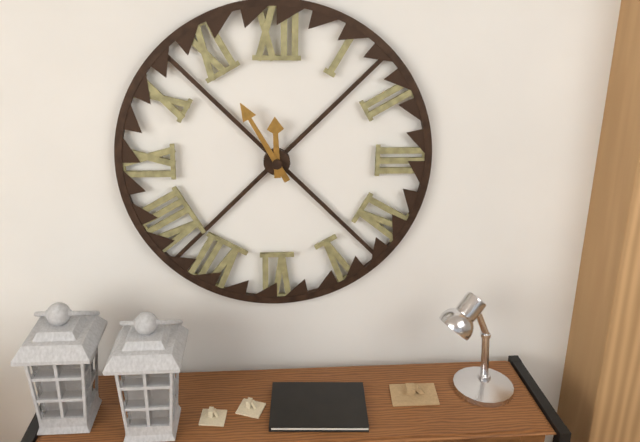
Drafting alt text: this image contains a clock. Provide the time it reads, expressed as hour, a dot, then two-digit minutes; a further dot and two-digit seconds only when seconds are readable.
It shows 11.55
